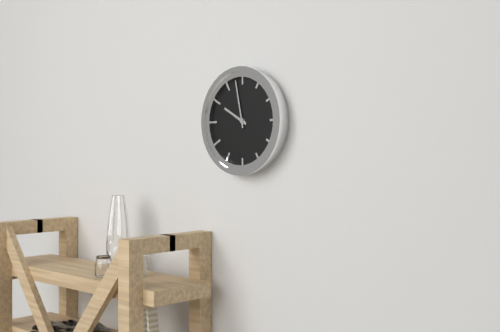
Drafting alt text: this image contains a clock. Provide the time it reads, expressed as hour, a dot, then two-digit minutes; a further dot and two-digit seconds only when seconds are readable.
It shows 9.58
